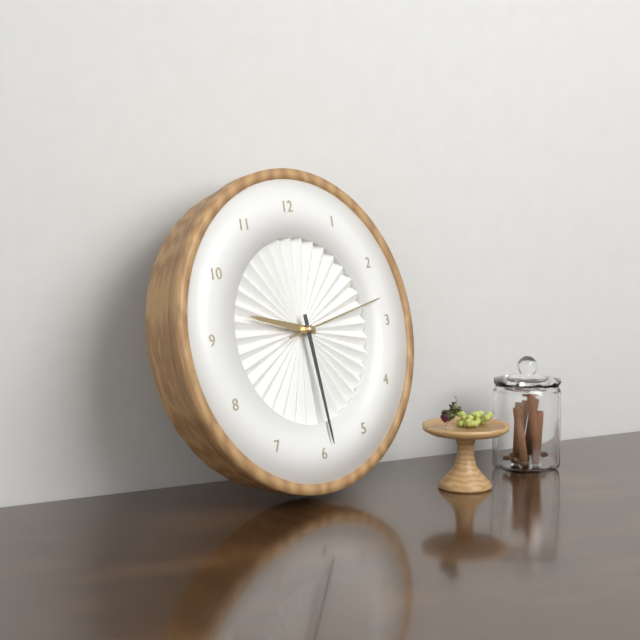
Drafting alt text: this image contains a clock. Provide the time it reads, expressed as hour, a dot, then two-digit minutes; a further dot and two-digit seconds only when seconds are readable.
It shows 9.29.13
